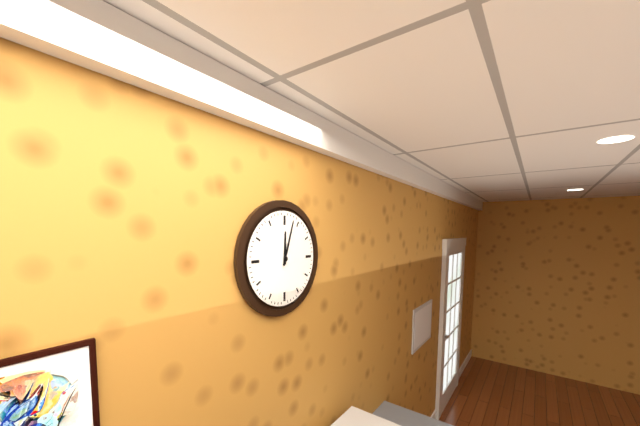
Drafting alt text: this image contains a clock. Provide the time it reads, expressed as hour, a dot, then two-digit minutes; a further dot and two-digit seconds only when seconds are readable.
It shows 12.03
